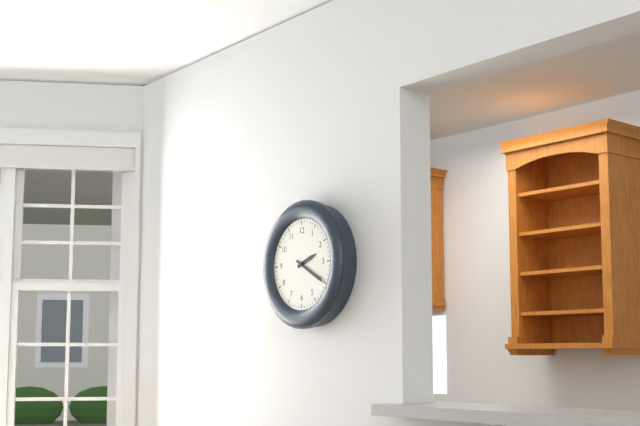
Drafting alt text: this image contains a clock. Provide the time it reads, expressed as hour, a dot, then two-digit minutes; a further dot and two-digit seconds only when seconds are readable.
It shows 2.20
